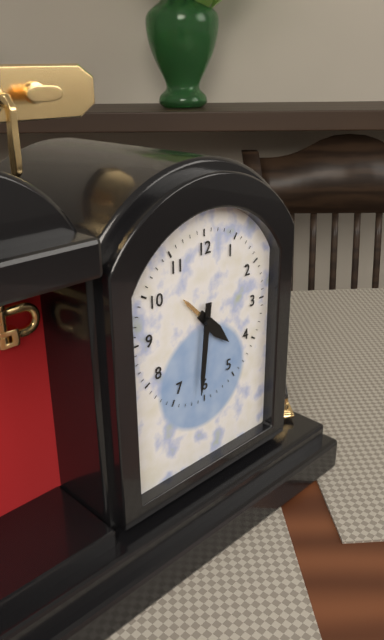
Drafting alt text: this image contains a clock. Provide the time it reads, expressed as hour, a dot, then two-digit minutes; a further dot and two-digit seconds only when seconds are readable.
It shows 4.31
